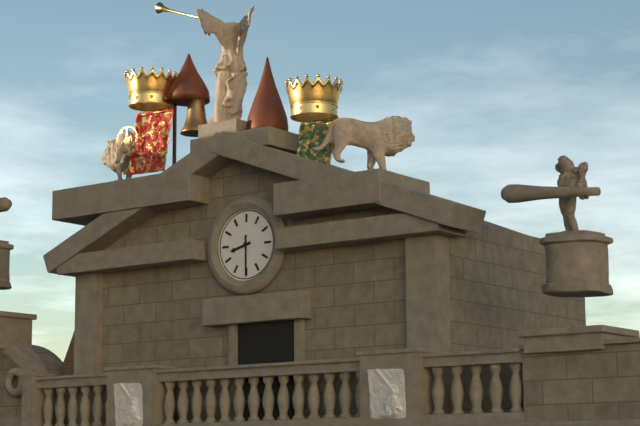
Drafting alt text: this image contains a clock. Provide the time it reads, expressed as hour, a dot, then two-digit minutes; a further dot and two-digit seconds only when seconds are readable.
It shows 8.30
